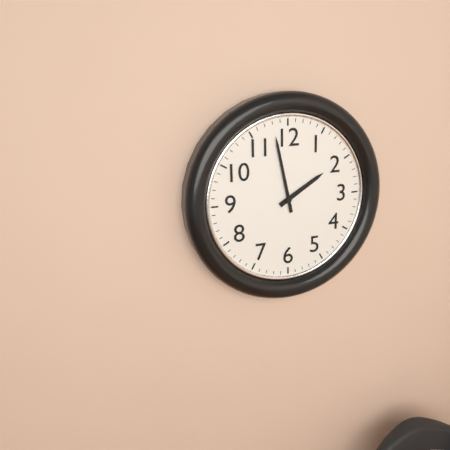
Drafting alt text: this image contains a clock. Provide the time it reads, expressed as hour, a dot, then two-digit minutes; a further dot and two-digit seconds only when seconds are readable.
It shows 1.58
